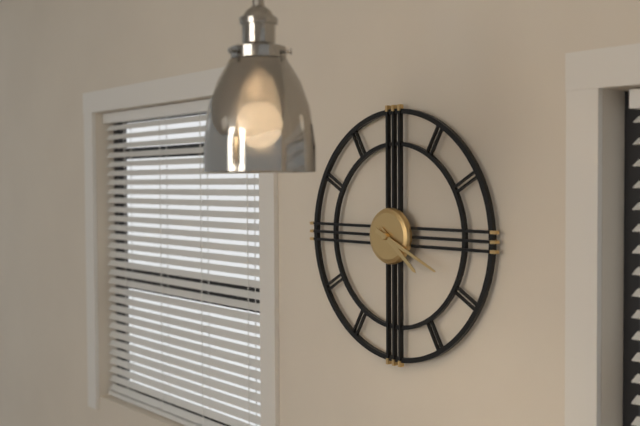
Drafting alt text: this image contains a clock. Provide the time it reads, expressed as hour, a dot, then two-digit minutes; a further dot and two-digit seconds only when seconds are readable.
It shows 4.19
